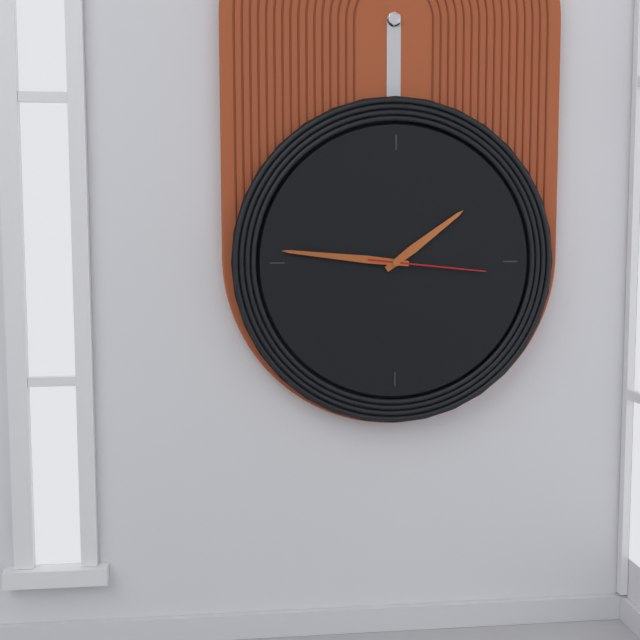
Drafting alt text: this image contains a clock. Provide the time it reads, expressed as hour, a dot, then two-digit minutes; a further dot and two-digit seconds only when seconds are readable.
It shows 1.46.16
